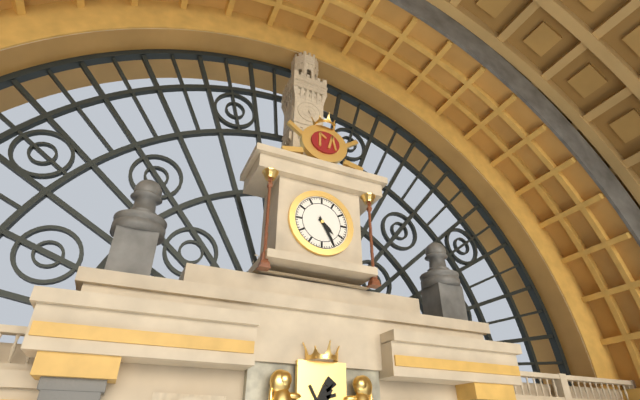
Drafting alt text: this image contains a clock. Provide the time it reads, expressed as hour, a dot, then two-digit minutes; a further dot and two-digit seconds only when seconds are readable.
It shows 4.25
